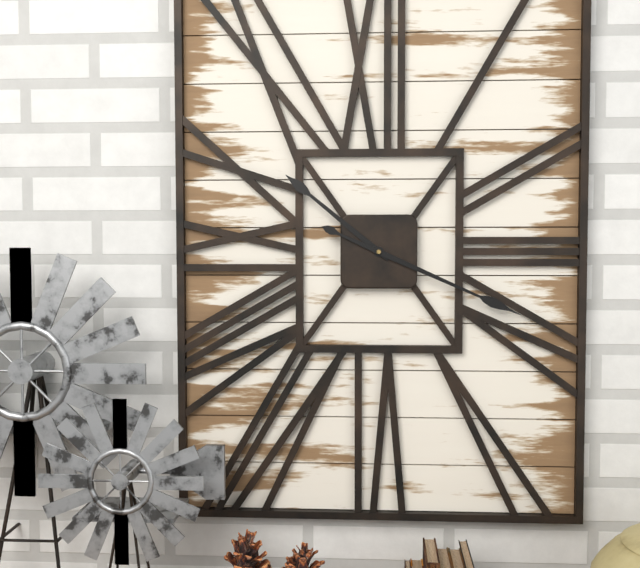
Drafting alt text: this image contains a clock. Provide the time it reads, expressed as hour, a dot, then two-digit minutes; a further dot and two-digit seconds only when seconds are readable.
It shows 10.19
